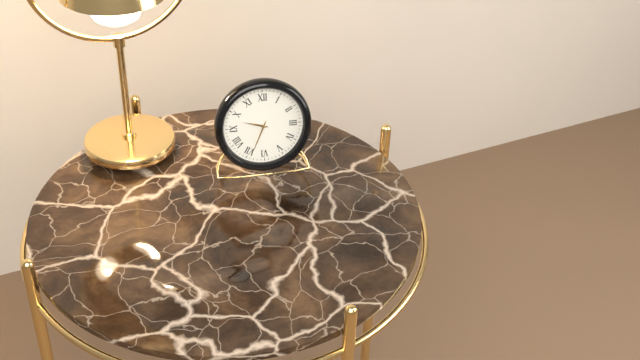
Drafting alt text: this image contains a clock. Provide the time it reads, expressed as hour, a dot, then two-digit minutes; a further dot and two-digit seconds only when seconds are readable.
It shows 9.34
